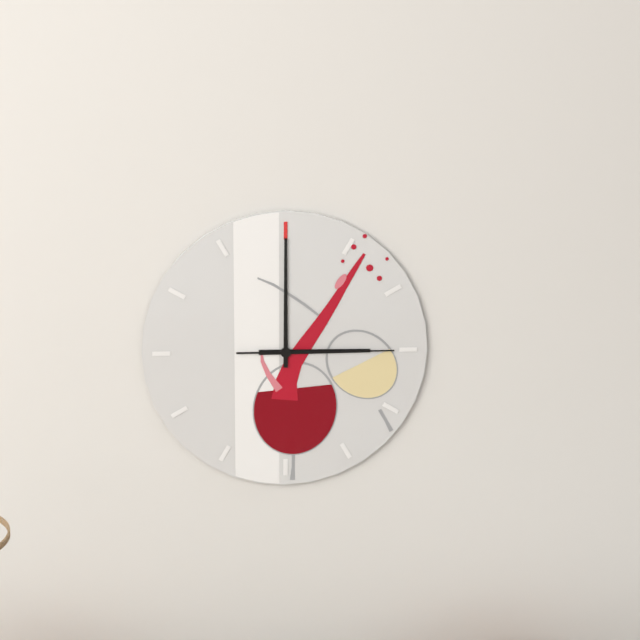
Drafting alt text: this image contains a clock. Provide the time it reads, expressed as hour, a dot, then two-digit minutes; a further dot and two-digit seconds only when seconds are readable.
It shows 3.00.15
